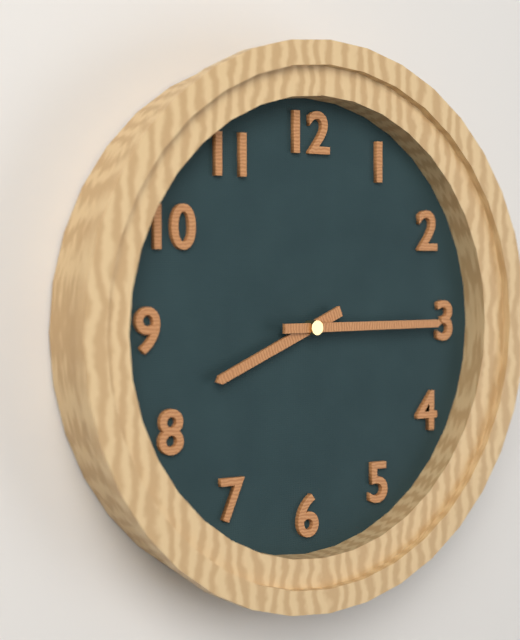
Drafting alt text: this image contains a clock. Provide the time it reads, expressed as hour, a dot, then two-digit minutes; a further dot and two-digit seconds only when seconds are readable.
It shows 8.15
